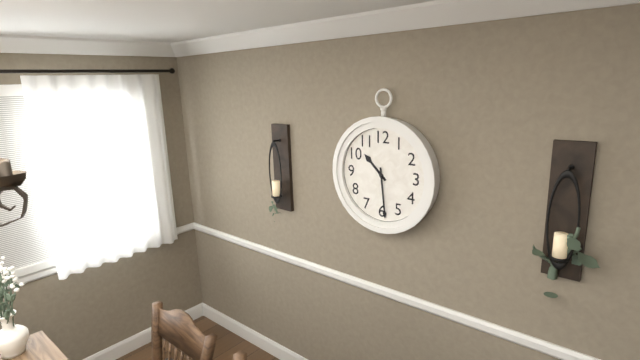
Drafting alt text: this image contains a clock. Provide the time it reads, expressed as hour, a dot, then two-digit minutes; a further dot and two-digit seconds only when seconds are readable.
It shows 10.29
